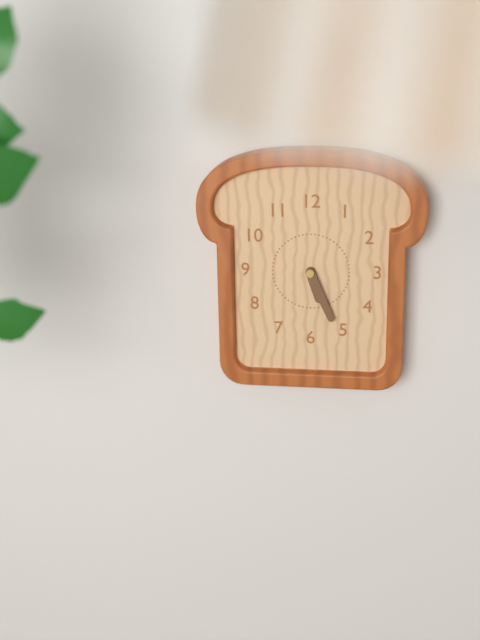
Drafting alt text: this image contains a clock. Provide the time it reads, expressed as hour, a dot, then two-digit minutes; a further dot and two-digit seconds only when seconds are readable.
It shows 5.26
